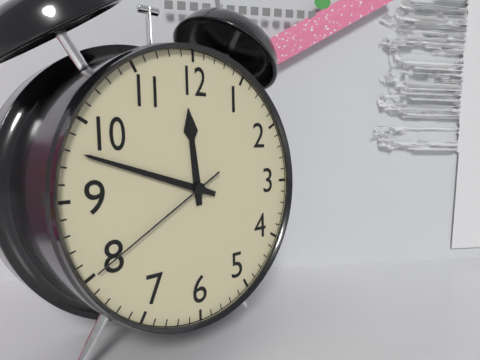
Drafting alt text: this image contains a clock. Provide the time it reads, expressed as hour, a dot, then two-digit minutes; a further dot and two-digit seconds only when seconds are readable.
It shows 11.48.40
